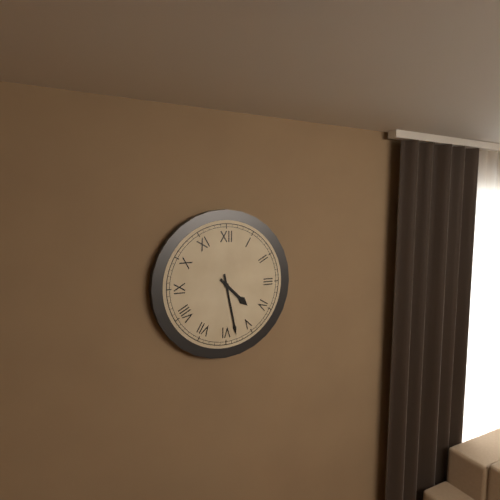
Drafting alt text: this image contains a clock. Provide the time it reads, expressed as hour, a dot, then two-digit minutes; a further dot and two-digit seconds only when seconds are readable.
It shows 4.28
